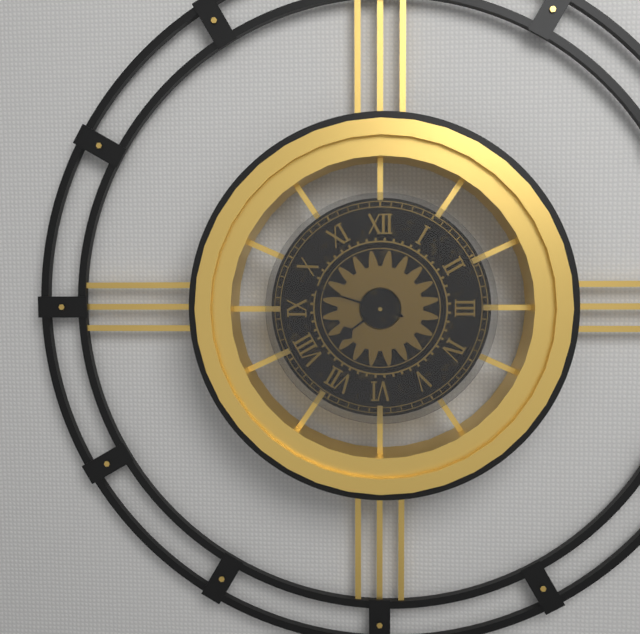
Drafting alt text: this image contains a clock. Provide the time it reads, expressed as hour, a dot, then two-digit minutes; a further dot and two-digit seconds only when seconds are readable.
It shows 7.48
